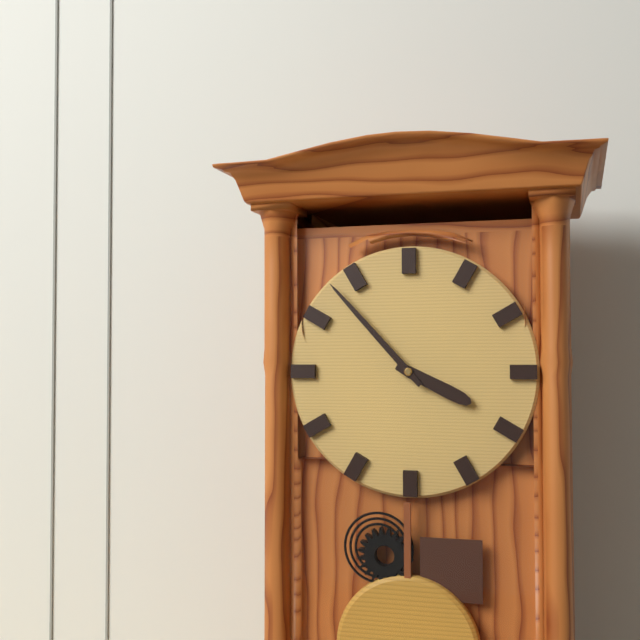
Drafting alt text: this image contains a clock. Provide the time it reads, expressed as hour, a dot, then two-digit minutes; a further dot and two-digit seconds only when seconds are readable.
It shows 3.53
